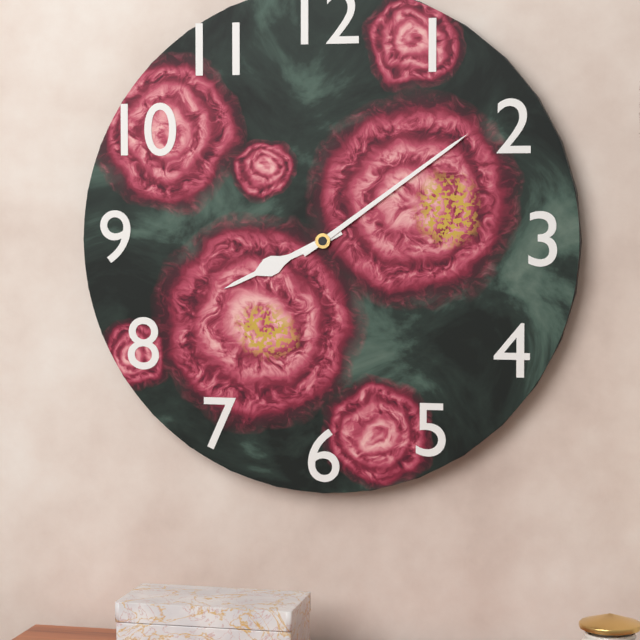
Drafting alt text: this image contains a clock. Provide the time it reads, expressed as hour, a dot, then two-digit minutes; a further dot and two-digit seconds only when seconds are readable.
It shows 8.09
